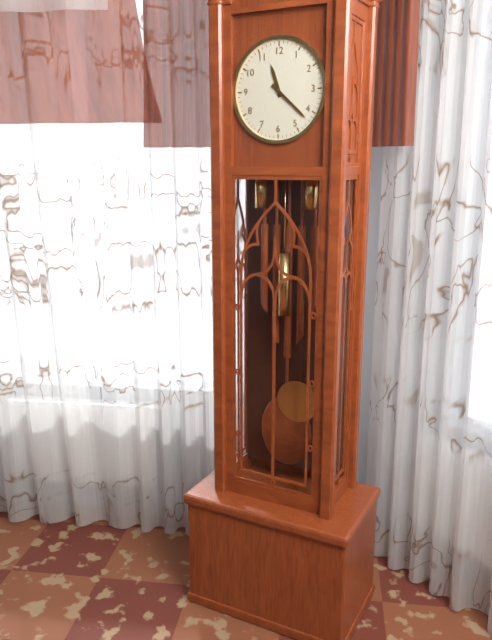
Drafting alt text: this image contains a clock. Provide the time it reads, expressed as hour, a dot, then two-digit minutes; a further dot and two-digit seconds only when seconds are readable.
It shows 11.22
